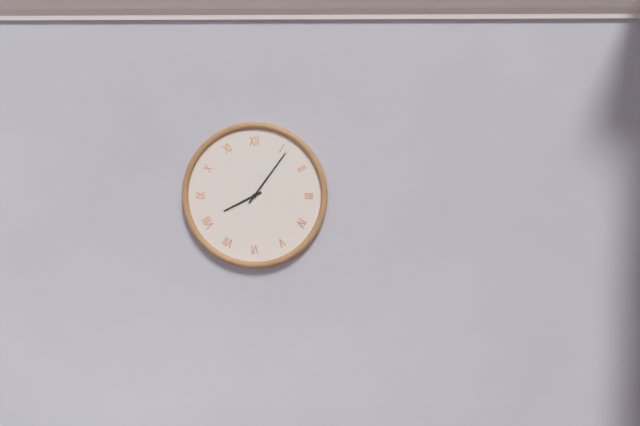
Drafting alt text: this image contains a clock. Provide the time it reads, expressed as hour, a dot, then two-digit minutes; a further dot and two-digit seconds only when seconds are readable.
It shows 8.06
